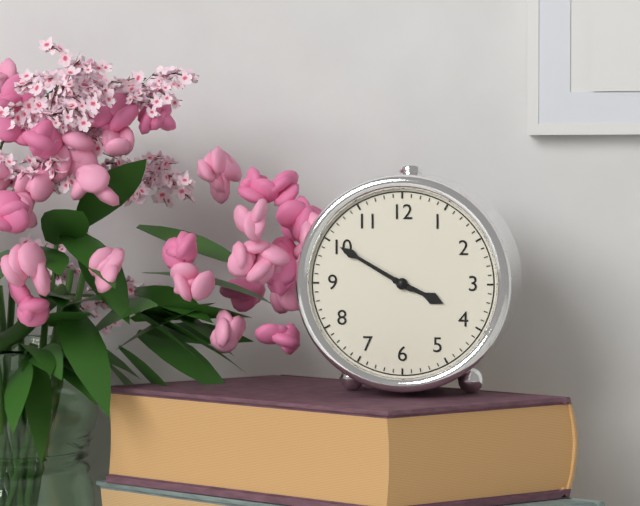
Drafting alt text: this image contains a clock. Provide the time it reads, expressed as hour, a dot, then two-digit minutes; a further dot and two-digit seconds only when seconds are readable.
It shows 3.50
